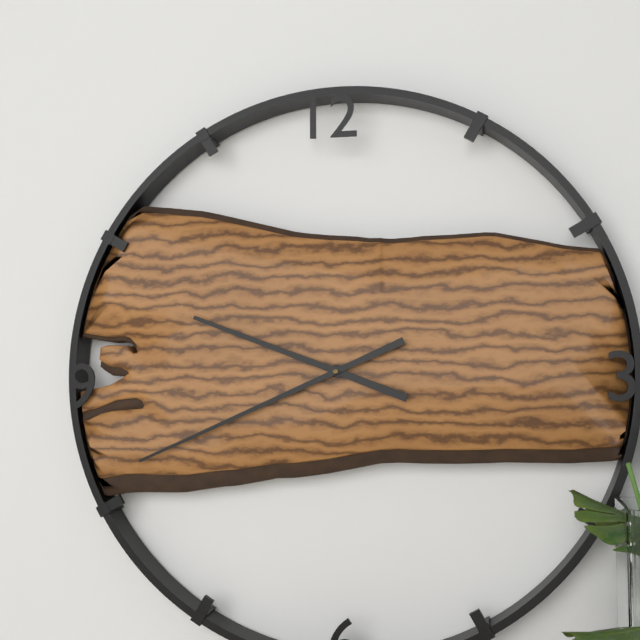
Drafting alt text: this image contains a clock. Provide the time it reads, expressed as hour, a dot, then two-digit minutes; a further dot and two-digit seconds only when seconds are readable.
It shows 9.41
